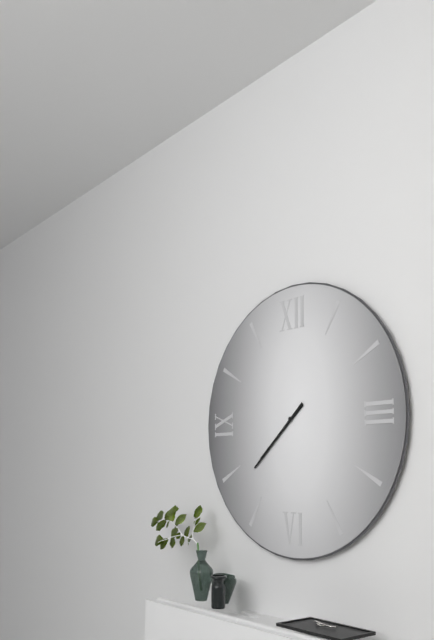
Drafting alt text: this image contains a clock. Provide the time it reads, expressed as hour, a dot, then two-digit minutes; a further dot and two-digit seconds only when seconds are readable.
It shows 7.38
